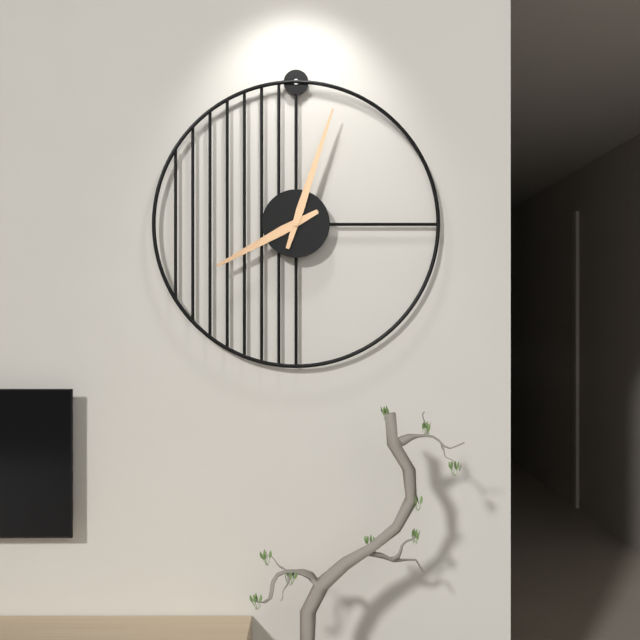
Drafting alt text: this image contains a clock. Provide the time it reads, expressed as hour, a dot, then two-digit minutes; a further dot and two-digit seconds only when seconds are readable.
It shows 8.03
